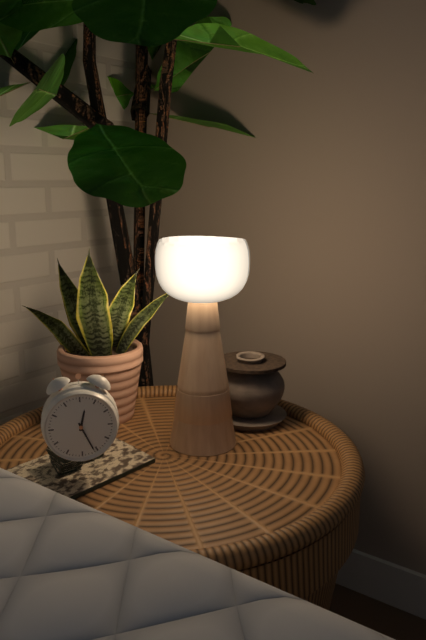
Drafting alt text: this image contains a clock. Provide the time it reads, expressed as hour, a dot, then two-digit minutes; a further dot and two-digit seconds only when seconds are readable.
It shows 12.26
